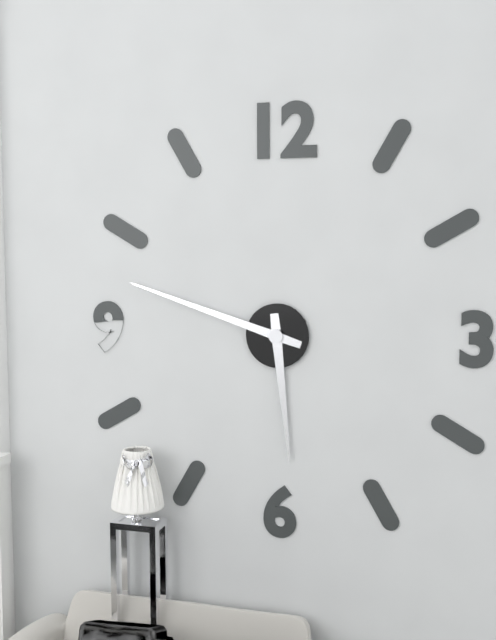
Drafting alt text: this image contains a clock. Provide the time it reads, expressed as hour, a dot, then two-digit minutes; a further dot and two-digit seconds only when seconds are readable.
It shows 5.48
